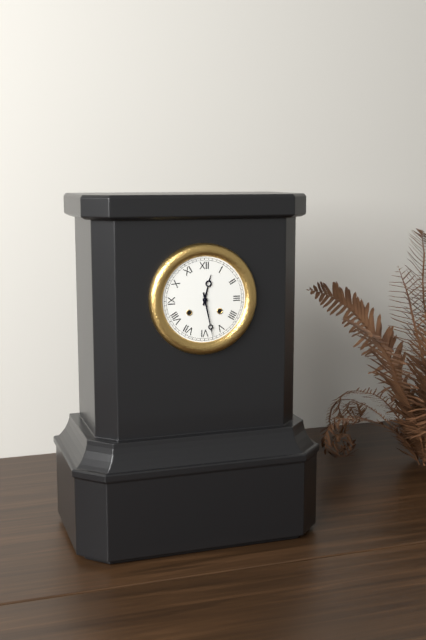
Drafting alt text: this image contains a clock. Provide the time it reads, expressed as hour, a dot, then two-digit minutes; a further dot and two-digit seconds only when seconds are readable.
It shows 12.28
